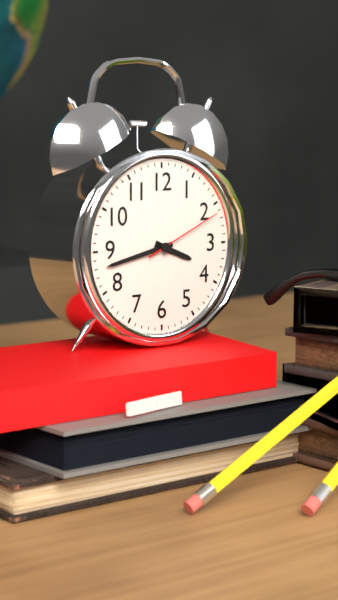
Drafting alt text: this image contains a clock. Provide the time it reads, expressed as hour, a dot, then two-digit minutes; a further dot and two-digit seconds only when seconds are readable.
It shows 3.43.11
